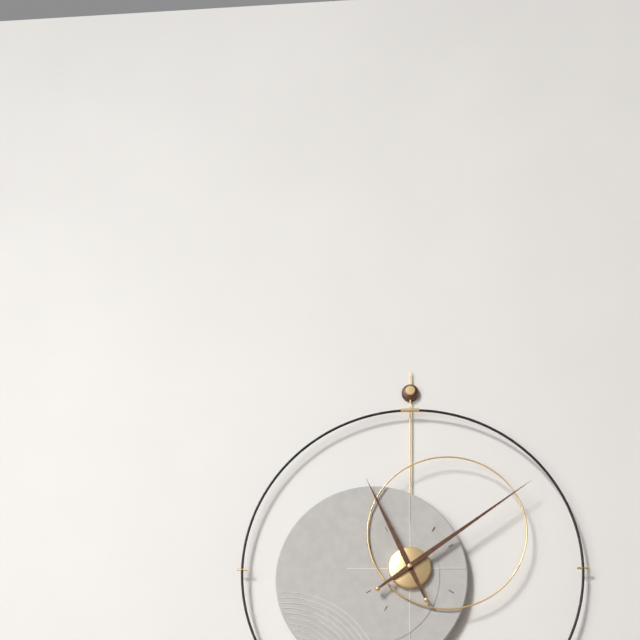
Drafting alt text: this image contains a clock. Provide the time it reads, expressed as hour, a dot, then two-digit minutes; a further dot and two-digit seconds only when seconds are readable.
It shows 11.09
